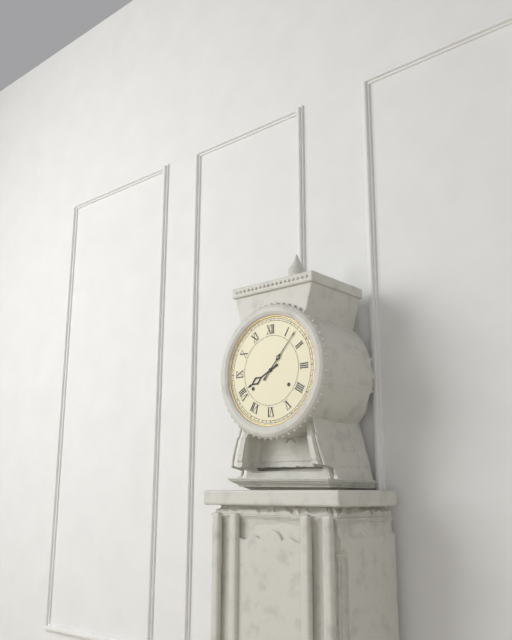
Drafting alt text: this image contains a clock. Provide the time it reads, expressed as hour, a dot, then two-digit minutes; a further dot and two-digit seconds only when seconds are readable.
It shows 8.07
